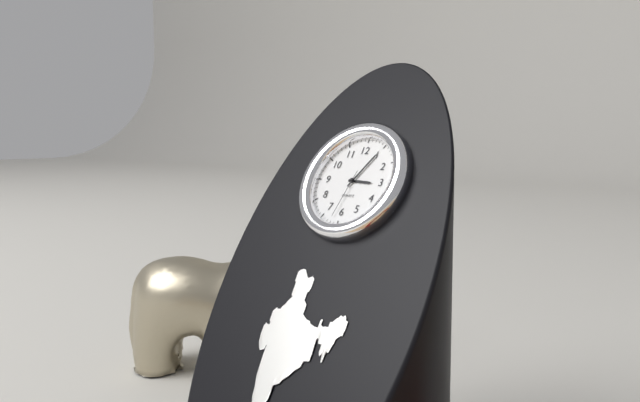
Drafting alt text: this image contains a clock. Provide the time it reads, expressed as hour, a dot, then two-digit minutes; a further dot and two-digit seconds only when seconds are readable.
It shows 3.05.32
